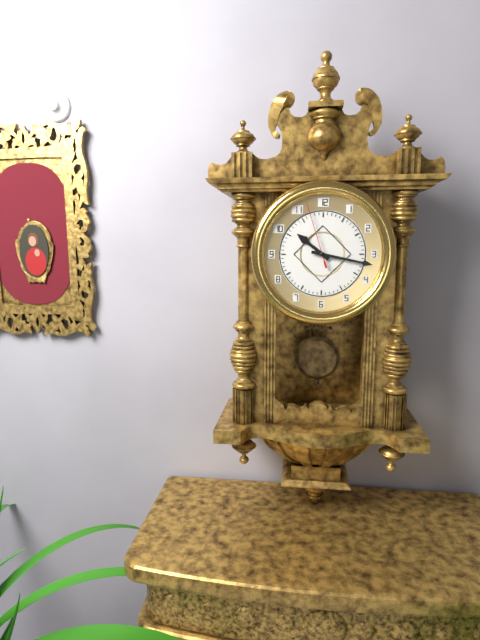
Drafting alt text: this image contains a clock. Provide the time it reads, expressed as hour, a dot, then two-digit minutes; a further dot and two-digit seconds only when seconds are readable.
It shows 10.17.57
